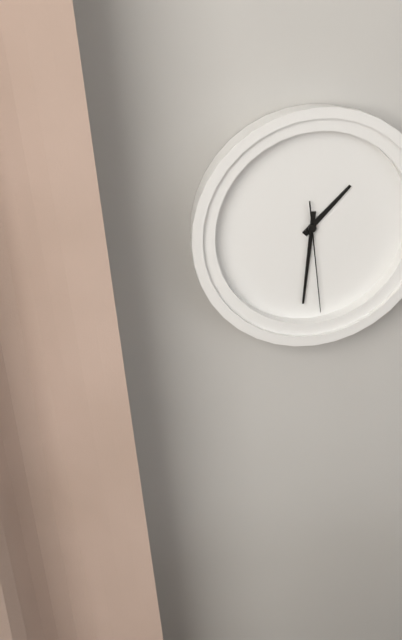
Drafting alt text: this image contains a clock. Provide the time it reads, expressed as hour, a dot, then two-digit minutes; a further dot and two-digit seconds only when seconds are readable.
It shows 1.31.29
